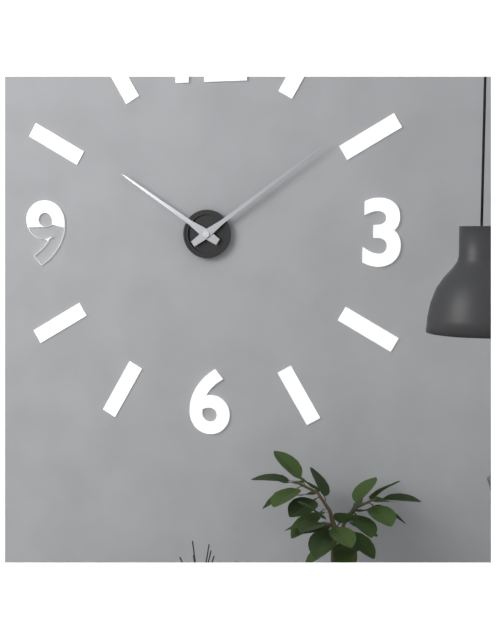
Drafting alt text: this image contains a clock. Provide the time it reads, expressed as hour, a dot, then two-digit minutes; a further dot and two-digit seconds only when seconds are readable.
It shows 10.09
